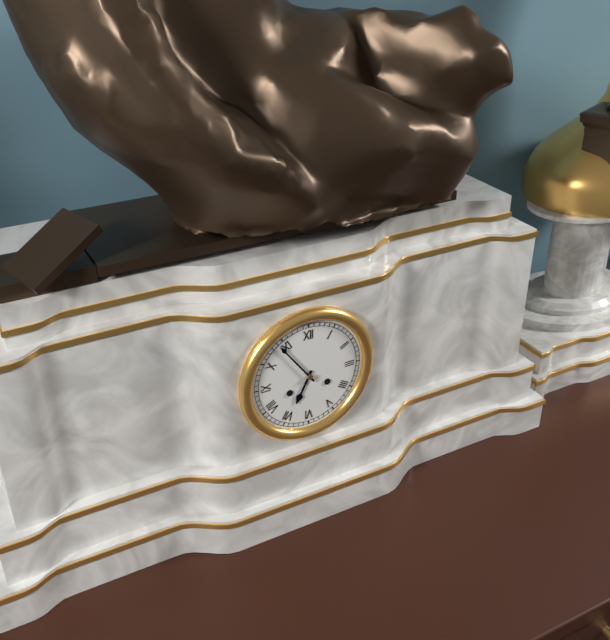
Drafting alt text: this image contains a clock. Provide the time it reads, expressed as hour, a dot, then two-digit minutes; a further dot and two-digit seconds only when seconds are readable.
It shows 6.54
